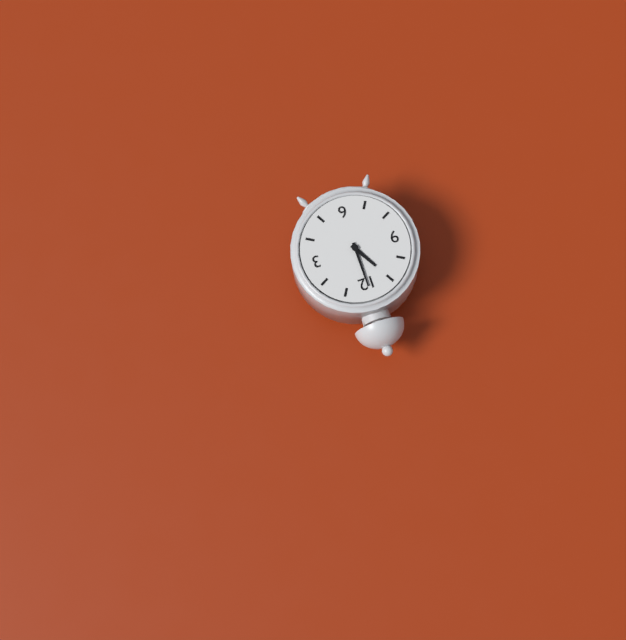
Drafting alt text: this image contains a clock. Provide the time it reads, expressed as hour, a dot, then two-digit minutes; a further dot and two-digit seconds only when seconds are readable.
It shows 11.00
